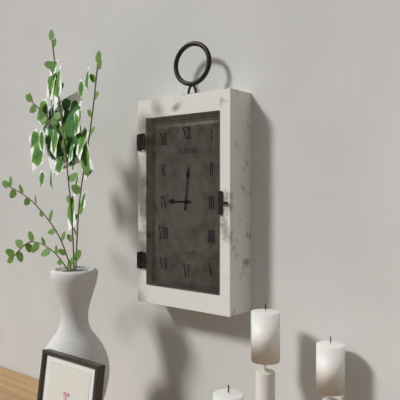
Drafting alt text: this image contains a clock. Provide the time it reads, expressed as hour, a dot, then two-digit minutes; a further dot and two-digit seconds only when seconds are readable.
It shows 9.01
